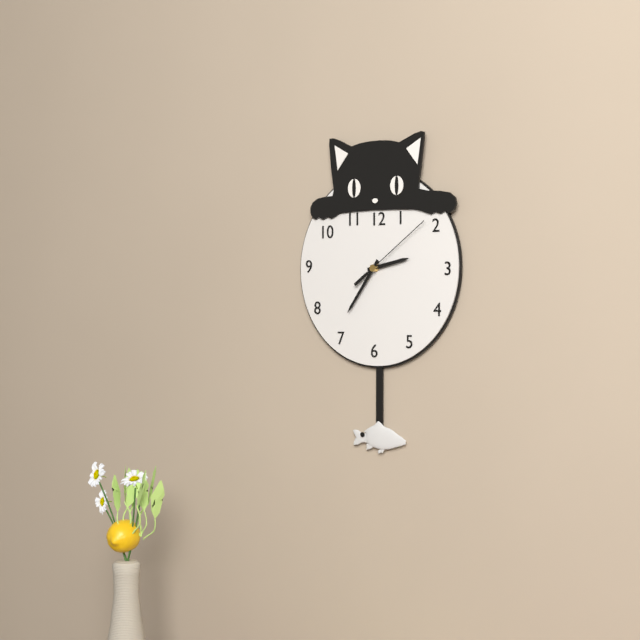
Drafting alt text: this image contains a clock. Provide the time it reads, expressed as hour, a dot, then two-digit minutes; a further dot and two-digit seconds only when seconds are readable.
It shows 2.36.09
